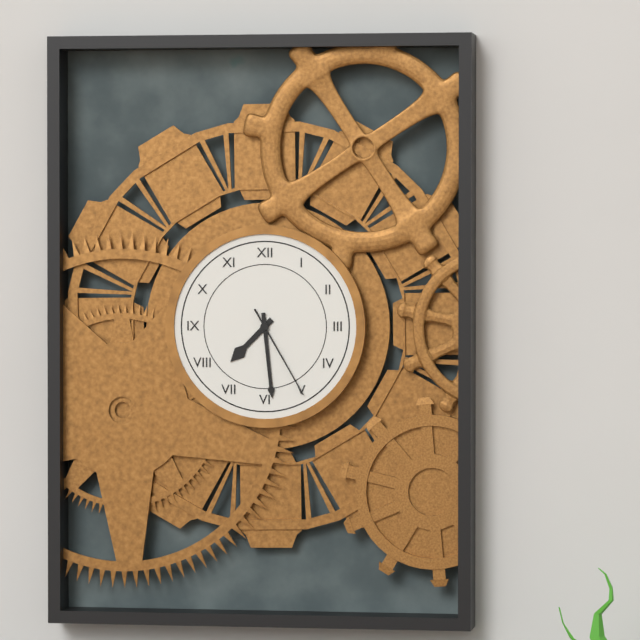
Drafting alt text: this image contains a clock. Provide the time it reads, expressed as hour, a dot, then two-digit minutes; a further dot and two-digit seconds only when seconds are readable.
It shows 7.29.25
